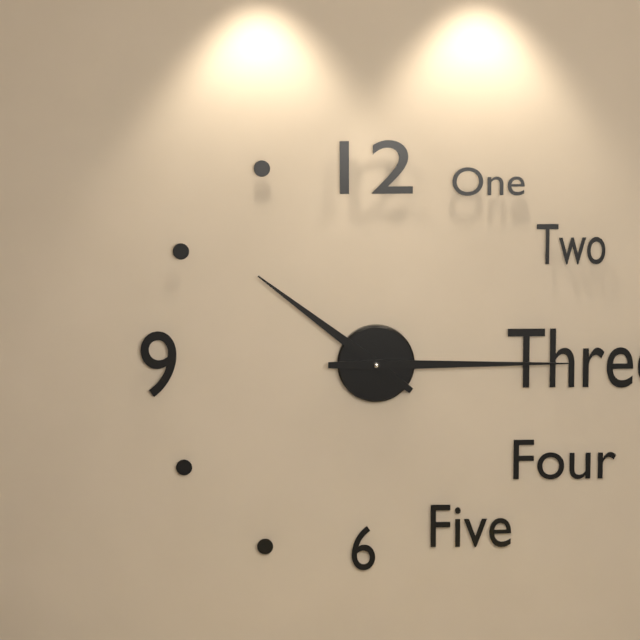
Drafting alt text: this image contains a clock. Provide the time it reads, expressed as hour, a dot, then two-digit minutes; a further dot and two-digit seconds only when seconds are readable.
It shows 10.15
